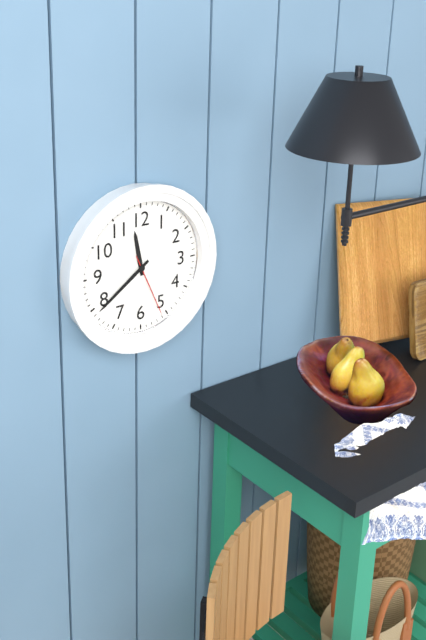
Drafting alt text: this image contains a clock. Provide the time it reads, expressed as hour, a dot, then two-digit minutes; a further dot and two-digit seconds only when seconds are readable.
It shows 11.39.26
